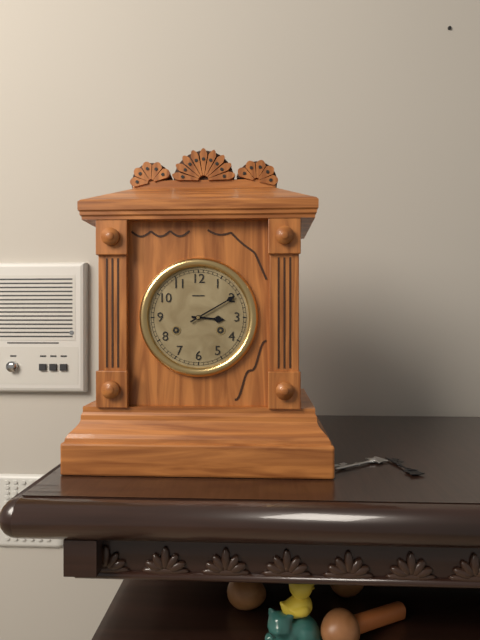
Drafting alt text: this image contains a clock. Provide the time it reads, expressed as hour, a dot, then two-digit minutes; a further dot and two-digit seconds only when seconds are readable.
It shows 3.10
